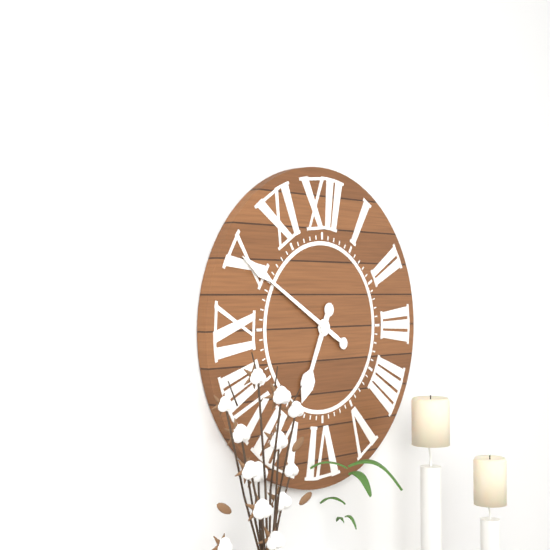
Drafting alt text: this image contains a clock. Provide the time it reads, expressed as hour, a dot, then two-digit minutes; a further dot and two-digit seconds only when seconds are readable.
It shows 6.50
